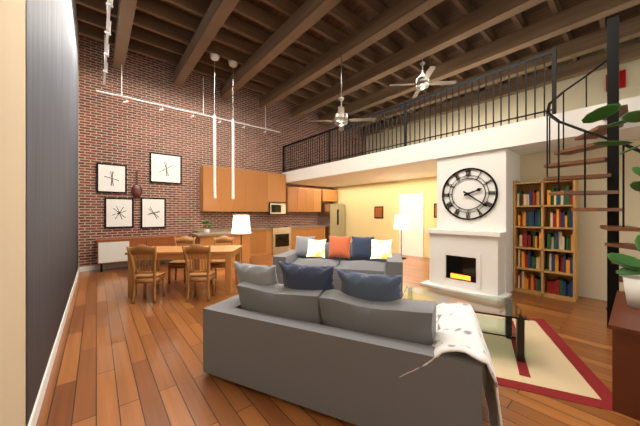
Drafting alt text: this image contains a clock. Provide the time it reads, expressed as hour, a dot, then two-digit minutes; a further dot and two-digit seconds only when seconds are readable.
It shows 2.21
